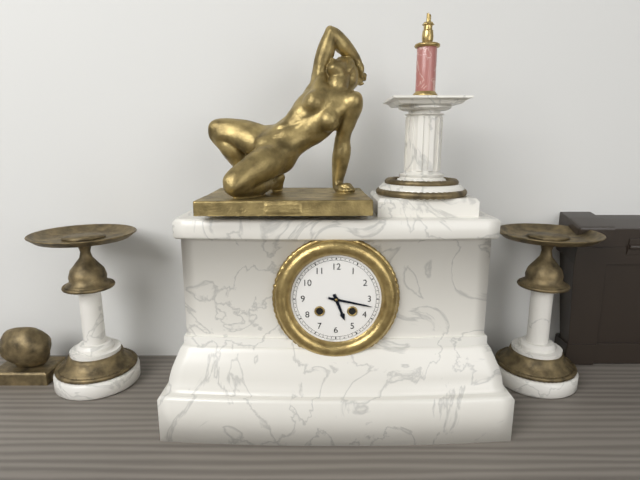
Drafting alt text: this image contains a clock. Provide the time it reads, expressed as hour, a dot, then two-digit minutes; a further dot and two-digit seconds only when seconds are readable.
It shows 5.17
